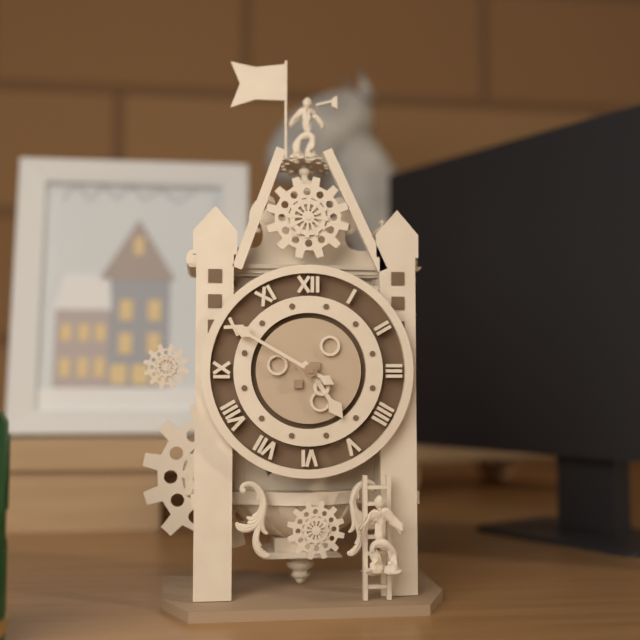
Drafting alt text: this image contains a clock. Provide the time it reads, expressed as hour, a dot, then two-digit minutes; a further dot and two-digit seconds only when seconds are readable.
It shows 4.50
